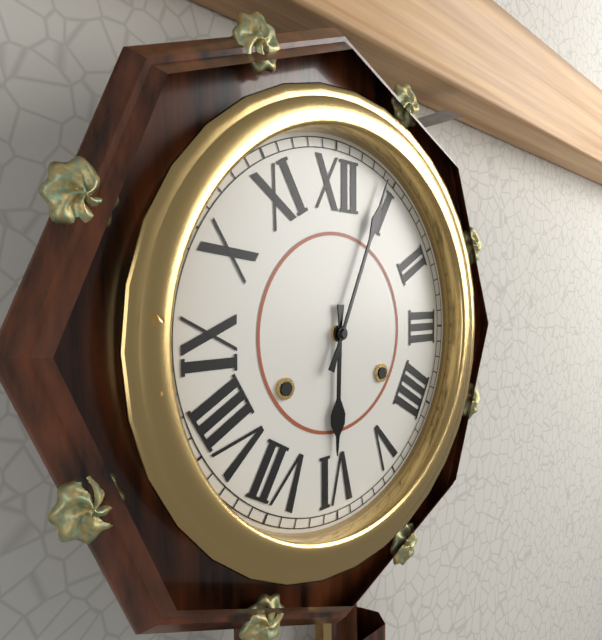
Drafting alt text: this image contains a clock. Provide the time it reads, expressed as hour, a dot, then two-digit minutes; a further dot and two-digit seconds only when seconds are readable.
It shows 6.04
